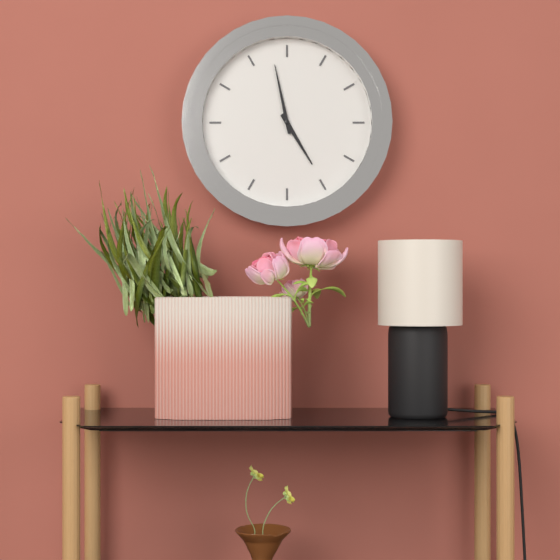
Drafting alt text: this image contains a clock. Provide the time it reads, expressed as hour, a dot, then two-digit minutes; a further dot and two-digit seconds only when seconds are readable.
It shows 4.58
